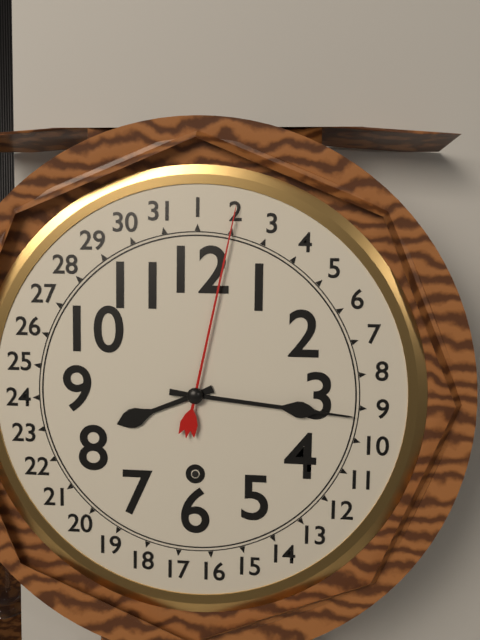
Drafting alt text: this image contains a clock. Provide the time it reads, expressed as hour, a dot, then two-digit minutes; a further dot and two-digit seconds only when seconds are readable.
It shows 8.16
